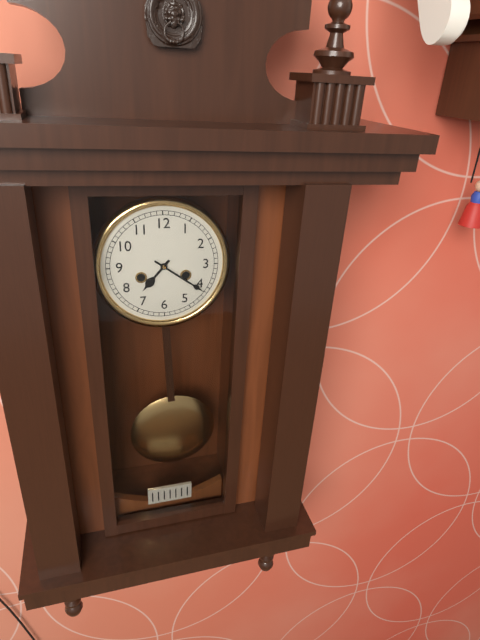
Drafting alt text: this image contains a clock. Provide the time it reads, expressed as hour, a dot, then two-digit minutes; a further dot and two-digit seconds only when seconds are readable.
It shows 7.21
